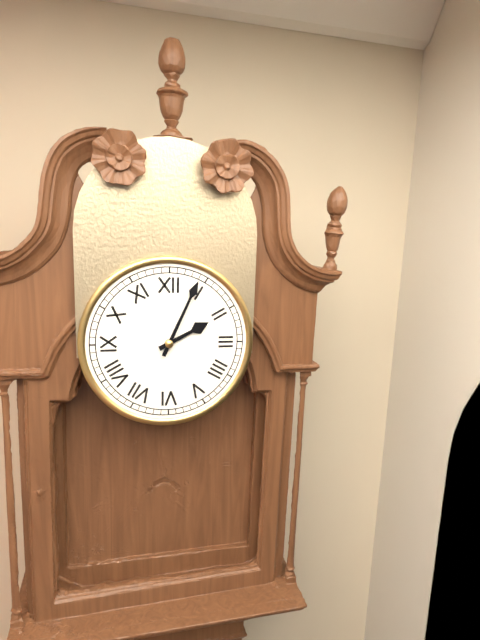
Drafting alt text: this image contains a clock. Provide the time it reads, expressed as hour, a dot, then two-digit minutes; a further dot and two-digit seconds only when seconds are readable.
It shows 2.04
